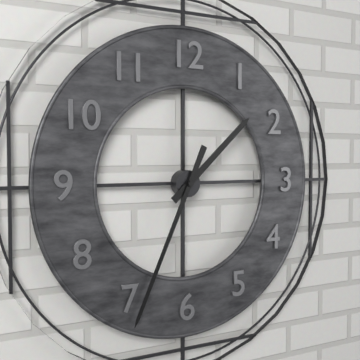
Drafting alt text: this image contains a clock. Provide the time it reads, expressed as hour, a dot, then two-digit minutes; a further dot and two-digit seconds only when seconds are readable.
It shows 1.34
